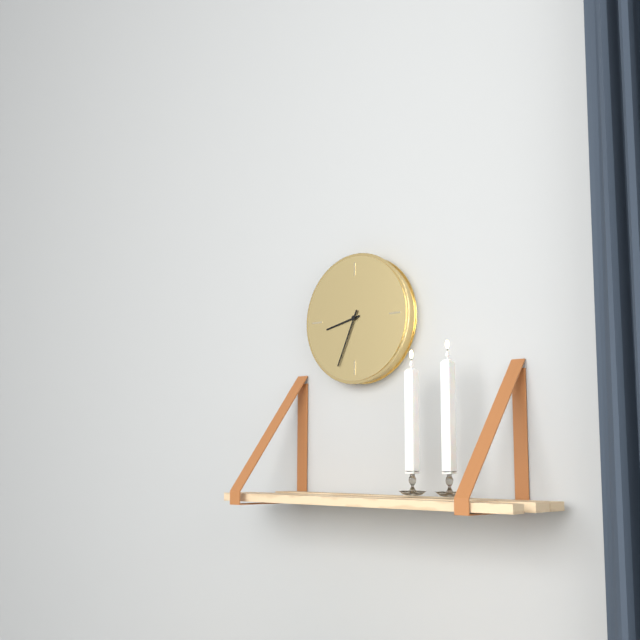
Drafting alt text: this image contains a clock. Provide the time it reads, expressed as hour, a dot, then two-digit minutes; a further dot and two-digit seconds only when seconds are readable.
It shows 8.34
